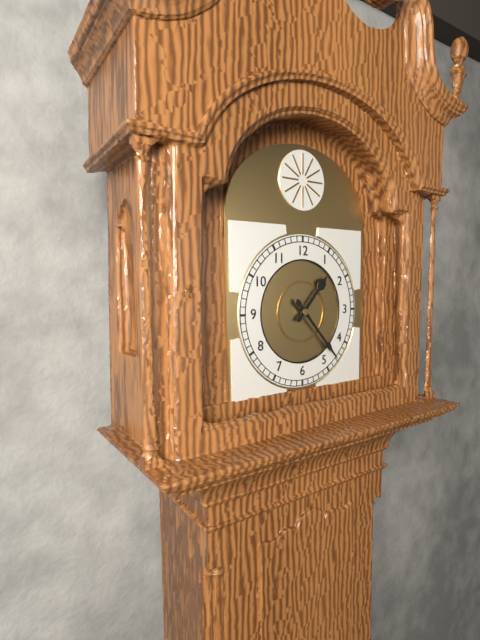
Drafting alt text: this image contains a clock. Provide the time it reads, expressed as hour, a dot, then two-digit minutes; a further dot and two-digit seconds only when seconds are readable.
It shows 1.23
